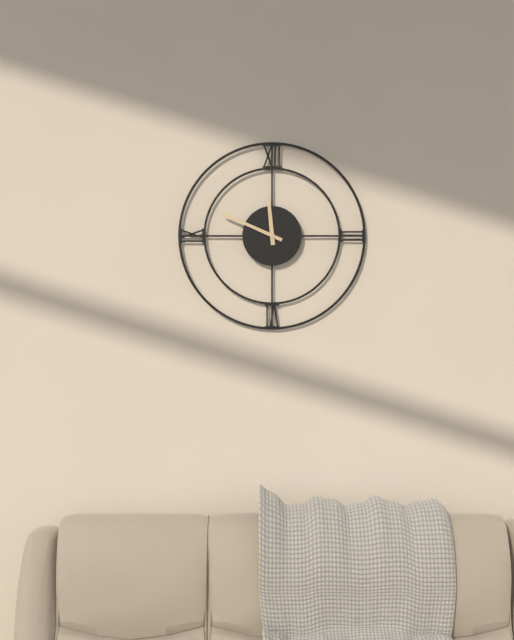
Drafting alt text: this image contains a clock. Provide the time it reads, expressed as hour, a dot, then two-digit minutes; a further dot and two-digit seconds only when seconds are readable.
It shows 11.49
